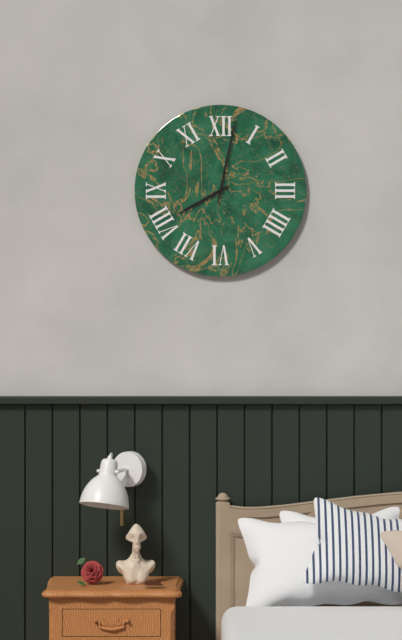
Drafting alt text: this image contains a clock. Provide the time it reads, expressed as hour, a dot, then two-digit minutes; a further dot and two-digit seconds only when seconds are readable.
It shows 8.02
